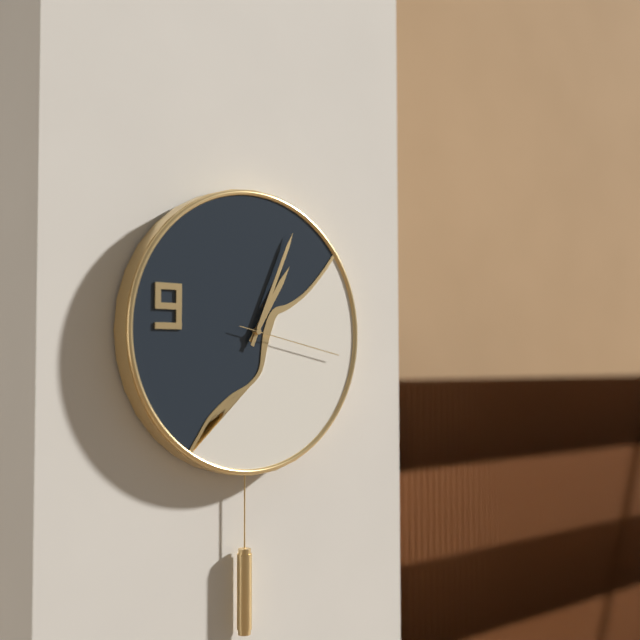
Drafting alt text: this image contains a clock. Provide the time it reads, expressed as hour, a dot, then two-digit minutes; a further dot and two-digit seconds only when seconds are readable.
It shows 1.04.17
